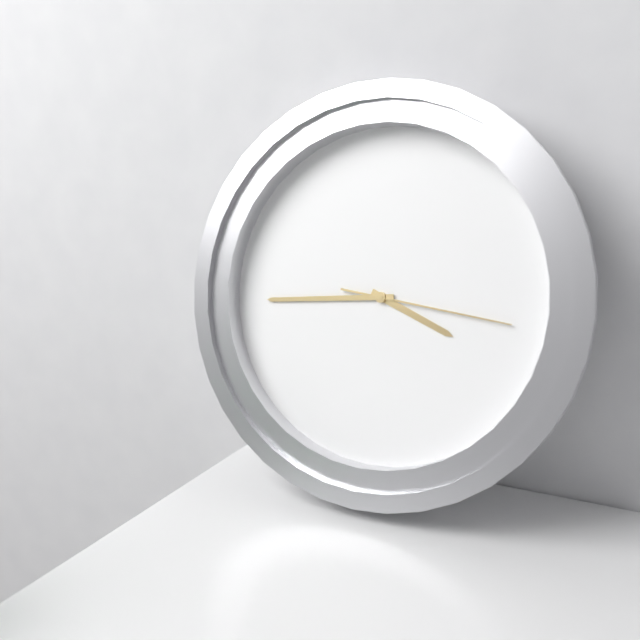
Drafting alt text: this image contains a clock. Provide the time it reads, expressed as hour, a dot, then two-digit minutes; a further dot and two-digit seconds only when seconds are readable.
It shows 3.44.16
